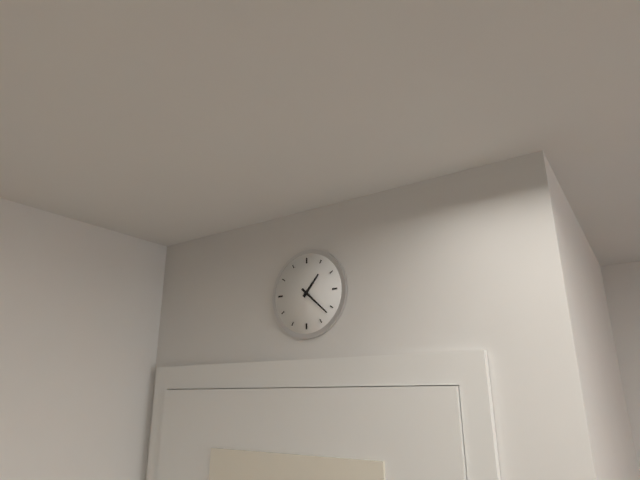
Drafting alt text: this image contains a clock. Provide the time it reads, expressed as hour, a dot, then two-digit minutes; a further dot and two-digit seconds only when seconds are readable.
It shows 1.22
